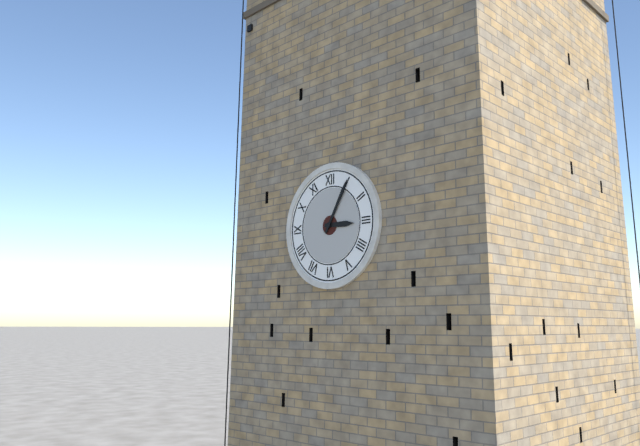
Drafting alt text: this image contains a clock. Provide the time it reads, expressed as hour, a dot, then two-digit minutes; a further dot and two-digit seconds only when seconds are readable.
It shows 3.05
